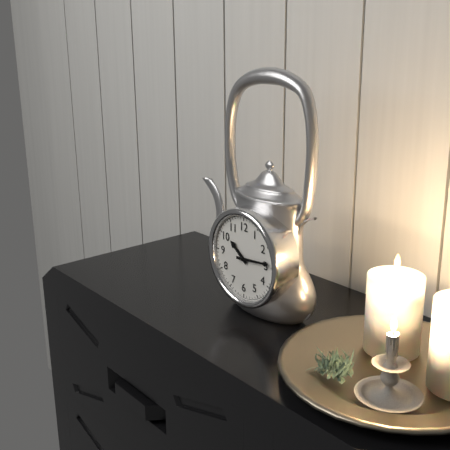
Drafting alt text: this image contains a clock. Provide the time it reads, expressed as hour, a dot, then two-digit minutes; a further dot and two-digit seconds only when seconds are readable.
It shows 10.14
